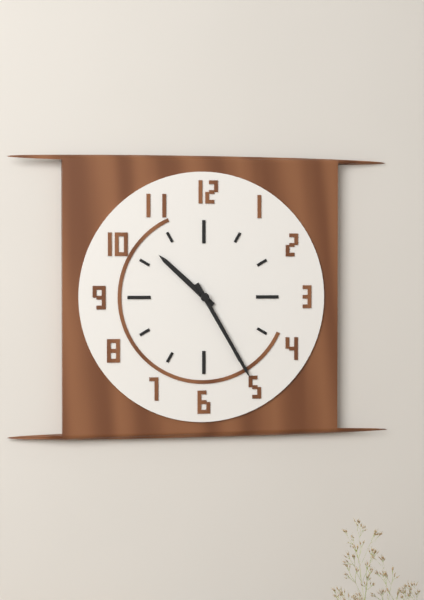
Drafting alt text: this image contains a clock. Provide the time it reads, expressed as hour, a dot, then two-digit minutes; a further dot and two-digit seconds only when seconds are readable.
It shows 10.25
